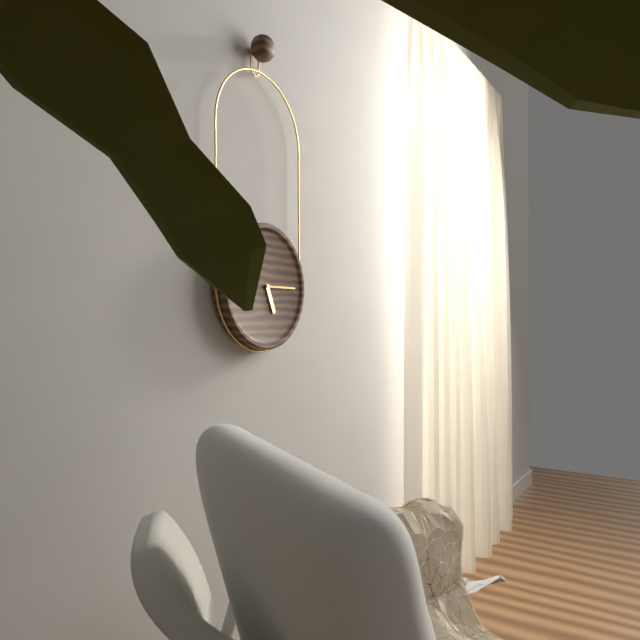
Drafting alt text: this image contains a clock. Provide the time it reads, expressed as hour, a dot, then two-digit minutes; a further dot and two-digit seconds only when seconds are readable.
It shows 5.15
